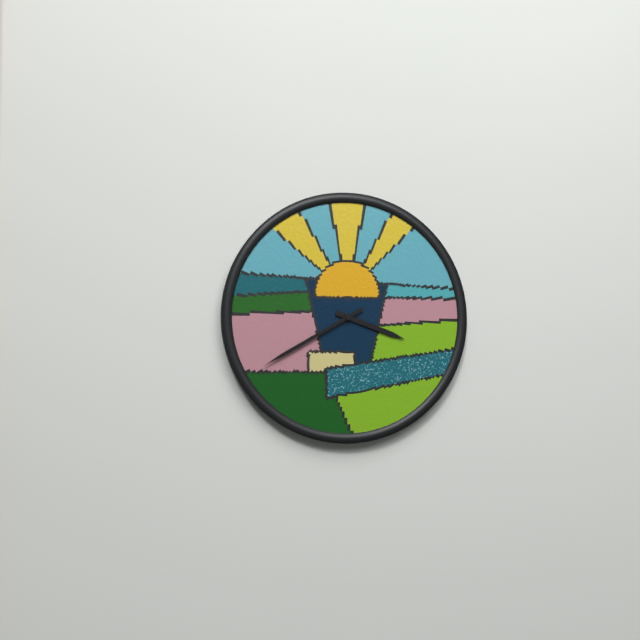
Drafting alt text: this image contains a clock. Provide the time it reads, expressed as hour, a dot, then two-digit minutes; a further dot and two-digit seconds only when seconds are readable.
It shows 3.40
